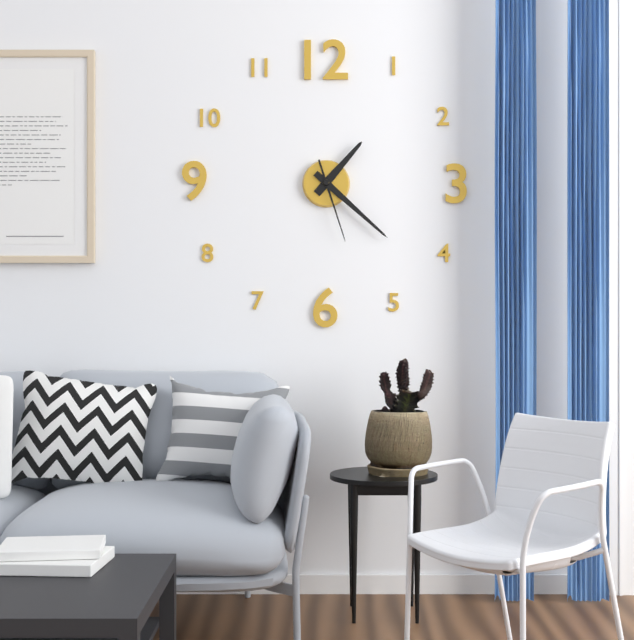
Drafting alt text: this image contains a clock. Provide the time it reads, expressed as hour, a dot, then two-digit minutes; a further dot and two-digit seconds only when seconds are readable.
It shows 1.22.27
